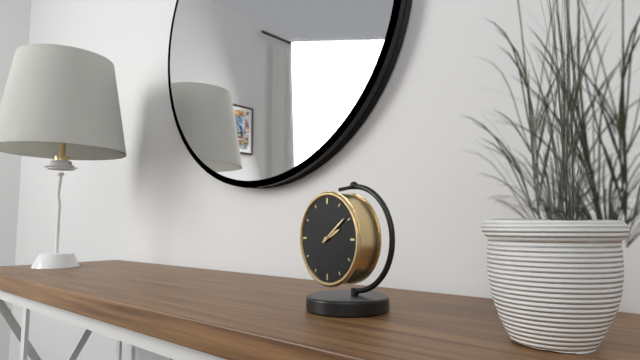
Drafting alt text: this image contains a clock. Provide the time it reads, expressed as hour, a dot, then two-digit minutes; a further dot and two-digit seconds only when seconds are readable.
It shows 2.09
